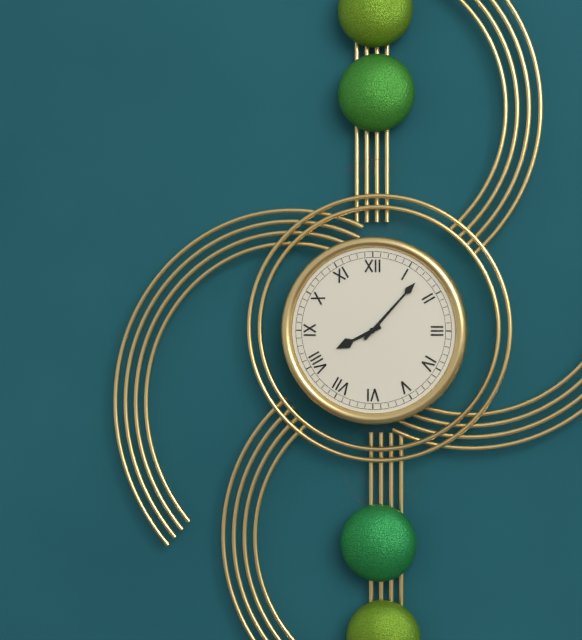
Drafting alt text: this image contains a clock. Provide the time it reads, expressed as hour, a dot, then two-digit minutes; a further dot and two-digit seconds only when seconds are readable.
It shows 8.07
